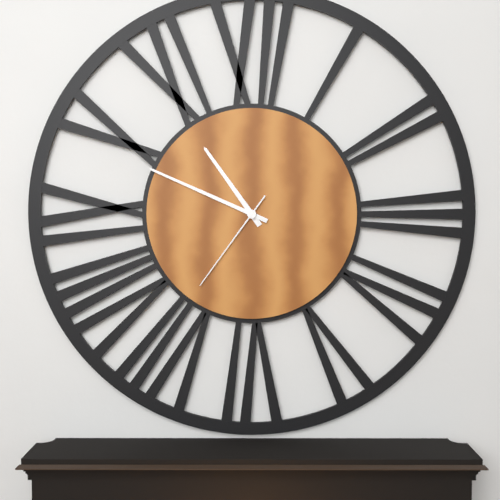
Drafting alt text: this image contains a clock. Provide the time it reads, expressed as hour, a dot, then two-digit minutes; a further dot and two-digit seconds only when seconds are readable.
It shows 10.49.36
